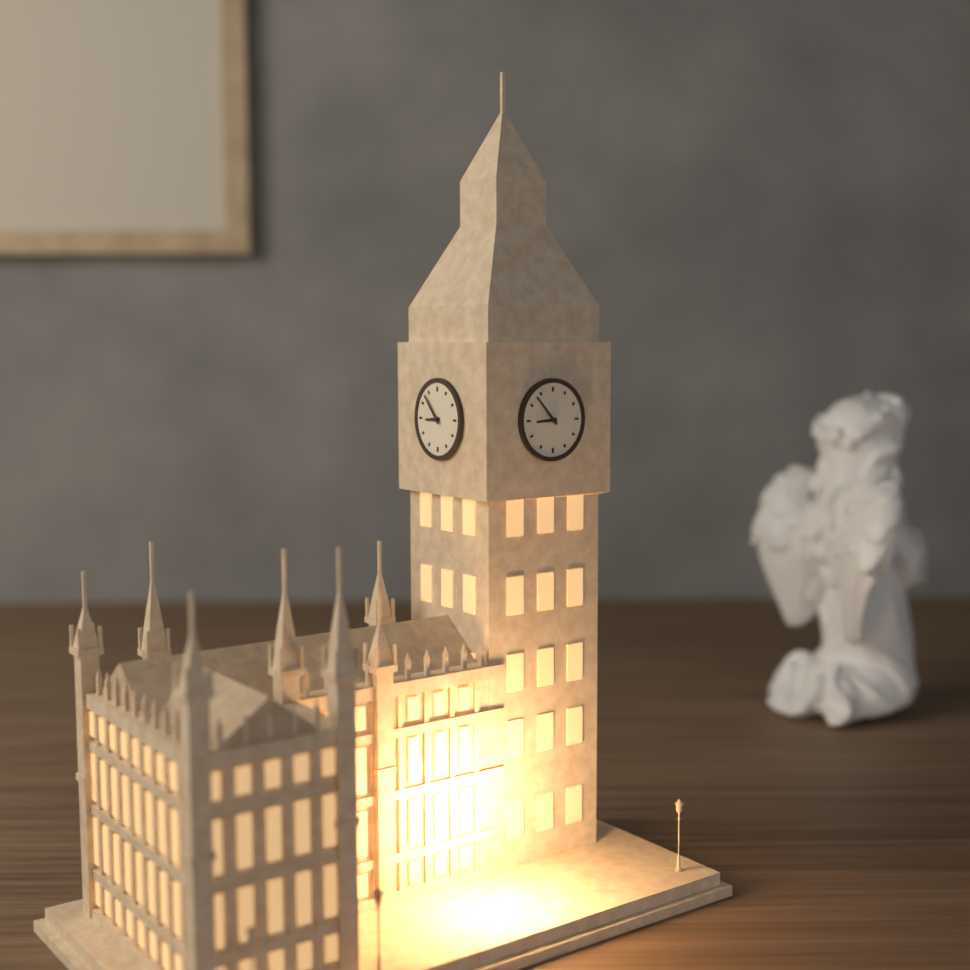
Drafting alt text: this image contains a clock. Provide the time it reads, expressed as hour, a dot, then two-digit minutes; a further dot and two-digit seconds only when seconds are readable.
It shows 8.53
